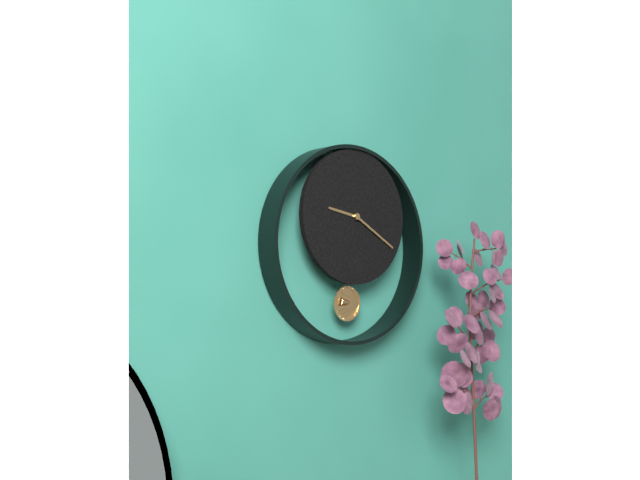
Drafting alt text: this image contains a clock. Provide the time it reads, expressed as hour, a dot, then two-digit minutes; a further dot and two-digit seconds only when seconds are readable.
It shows 9.20
